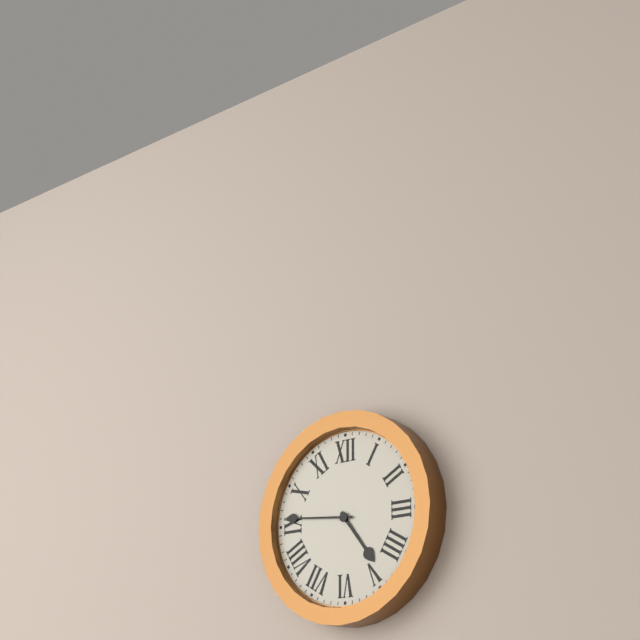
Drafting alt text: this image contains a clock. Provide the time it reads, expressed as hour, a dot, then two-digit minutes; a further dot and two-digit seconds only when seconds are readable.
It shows 4.46
